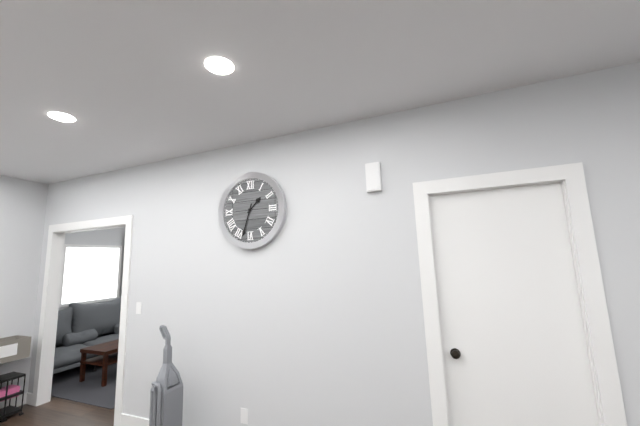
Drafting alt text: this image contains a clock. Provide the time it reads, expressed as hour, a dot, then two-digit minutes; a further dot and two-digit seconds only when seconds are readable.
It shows 1.33
